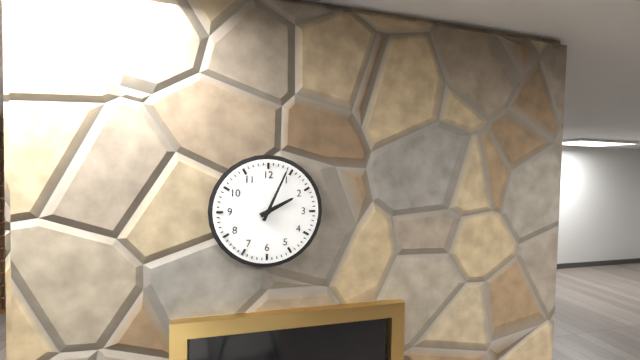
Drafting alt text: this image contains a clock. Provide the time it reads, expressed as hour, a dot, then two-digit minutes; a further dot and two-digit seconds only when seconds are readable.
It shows 2.04
